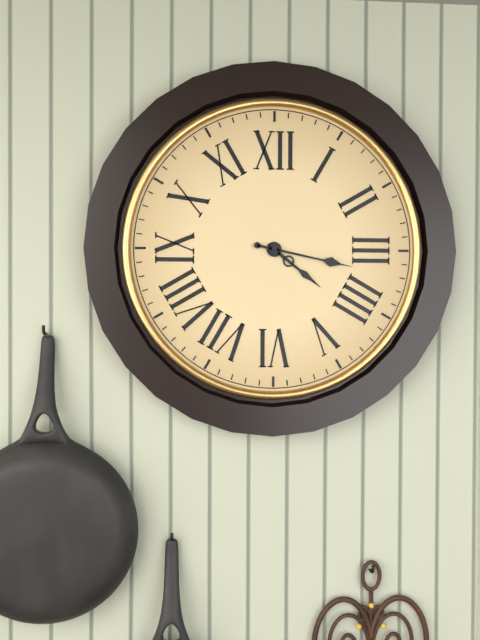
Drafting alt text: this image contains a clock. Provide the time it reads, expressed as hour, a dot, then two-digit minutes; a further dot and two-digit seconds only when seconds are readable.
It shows 4.17
